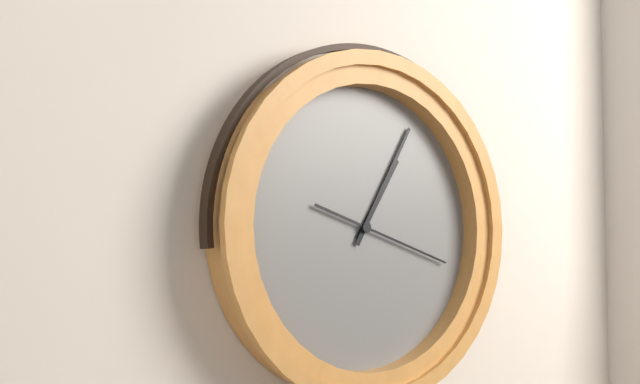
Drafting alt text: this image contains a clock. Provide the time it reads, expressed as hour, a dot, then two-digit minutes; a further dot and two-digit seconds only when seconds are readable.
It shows 1.05.18
